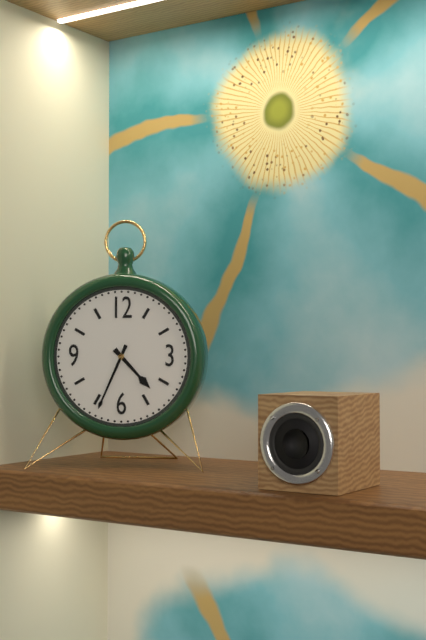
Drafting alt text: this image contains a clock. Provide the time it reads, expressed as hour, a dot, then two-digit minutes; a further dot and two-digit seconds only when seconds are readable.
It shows 4.34
